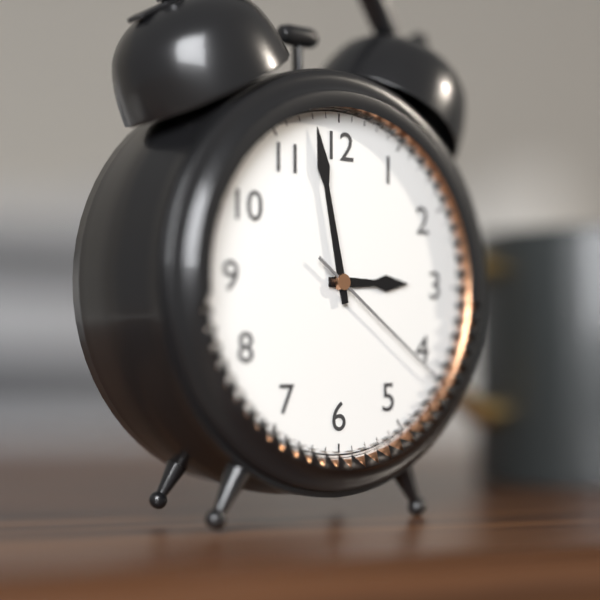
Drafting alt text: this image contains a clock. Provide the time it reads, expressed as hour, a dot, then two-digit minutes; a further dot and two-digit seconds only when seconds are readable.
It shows 2.58.21
